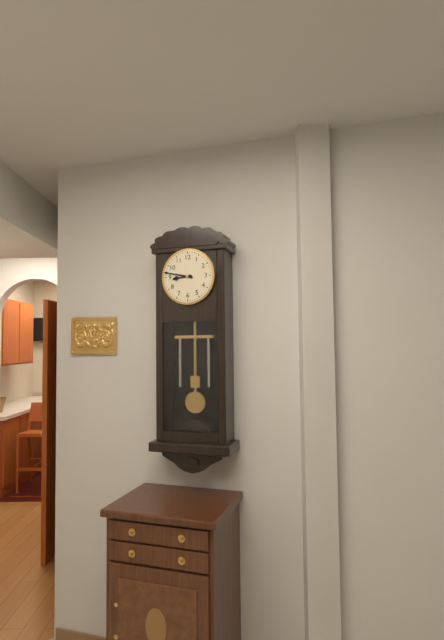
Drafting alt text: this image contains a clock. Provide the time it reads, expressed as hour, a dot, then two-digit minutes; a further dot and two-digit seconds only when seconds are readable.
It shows 8.47
